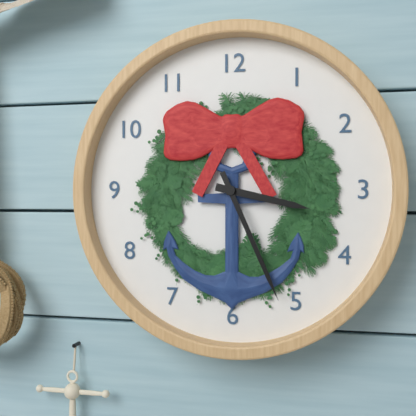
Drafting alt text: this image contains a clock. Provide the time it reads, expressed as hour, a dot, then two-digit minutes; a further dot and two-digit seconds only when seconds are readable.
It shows 3.26
